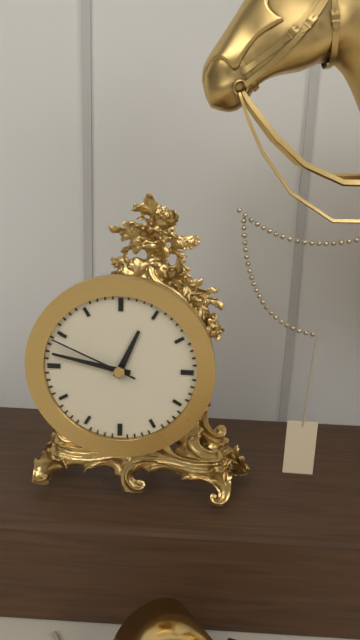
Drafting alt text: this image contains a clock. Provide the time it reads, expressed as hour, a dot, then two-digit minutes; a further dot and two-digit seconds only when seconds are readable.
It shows 12.47.49
